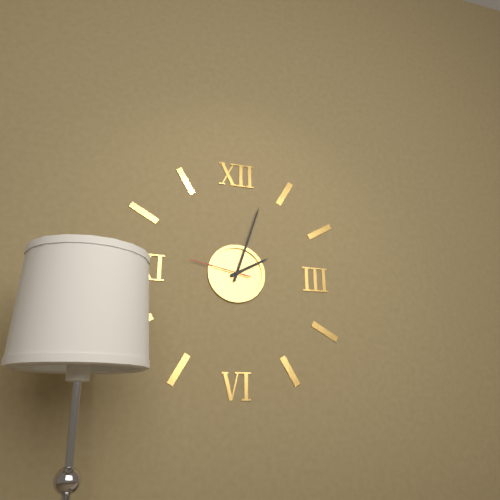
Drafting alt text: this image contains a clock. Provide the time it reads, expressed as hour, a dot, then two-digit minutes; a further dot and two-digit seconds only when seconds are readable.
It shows 2.03.47
